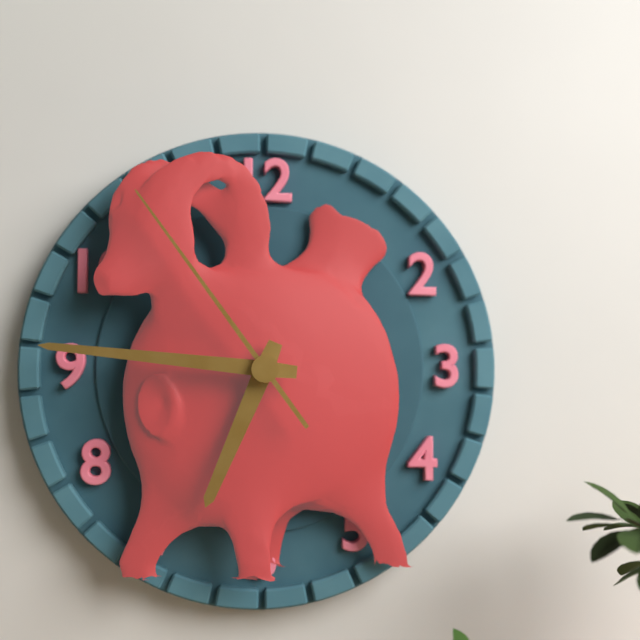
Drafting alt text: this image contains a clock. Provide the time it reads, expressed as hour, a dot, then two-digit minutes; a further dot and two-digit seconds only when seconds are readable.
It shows 6.46.54
